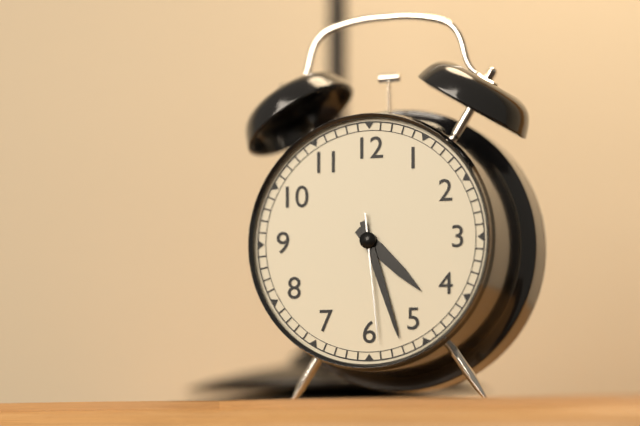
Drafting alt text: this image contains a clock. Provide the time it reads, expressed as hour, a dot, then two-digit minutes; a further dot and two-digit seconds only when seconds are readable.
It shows 4.27.29
